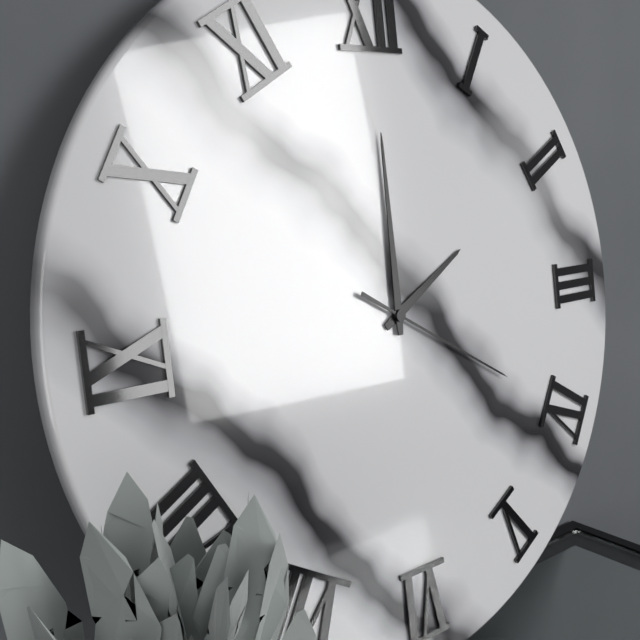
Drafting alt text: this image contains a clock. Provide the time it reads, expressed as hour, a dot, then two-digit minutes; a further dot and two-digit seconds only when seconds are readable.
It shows 2.00.20
